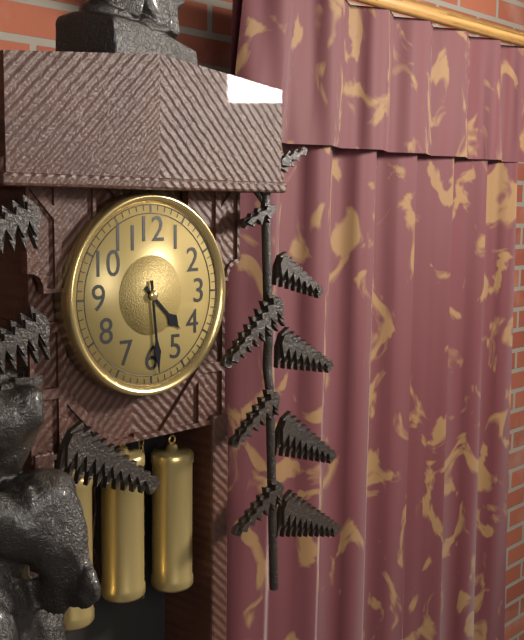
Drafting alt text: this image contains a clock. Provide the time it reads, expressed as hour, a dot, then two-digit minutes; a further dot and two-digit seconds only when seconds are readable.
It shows 4.29
